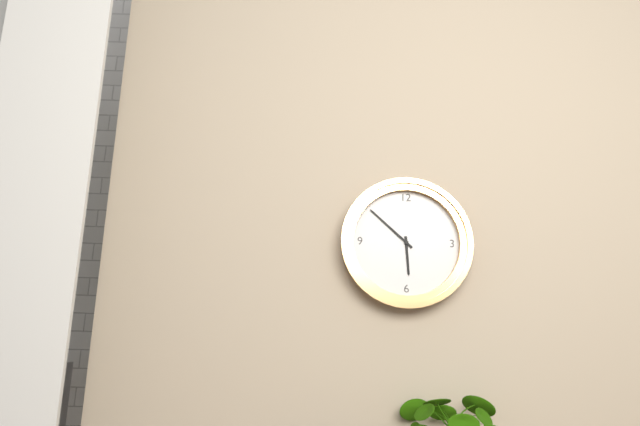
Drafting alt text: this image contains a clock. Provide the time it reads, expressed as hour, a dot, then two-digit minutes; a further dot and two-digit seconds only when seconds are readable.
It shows 5.52
